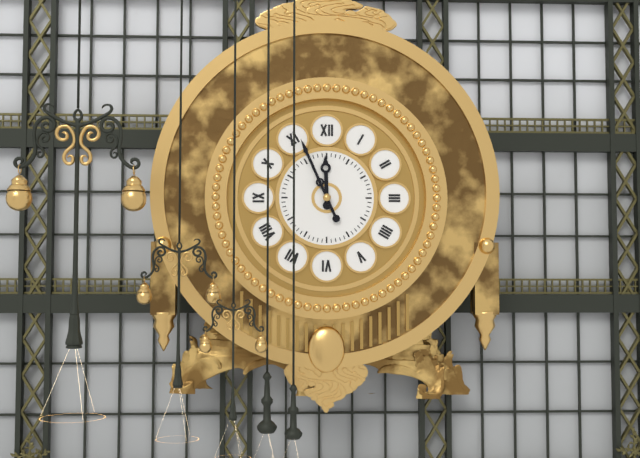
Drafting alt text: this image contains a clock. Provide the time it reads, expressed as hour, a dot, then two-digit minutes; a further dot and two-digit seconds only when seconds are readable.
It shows 11.56
